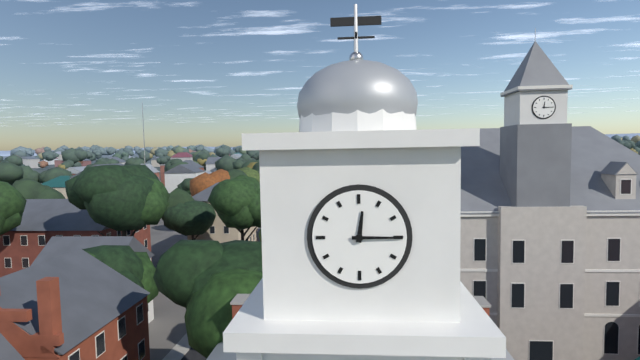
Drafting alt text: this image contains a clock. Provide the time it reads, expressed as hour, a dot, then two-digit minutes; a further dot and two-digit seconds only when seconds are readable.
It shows 12.15
